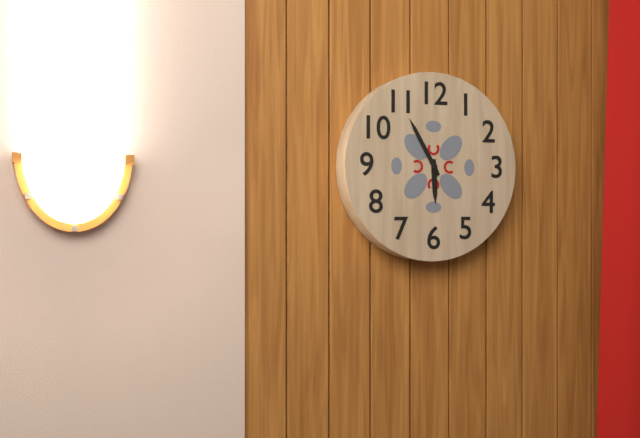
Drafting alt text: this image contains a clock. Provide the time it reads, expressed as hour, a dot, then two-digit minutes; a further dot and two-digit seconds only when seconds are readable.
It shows 5.55
